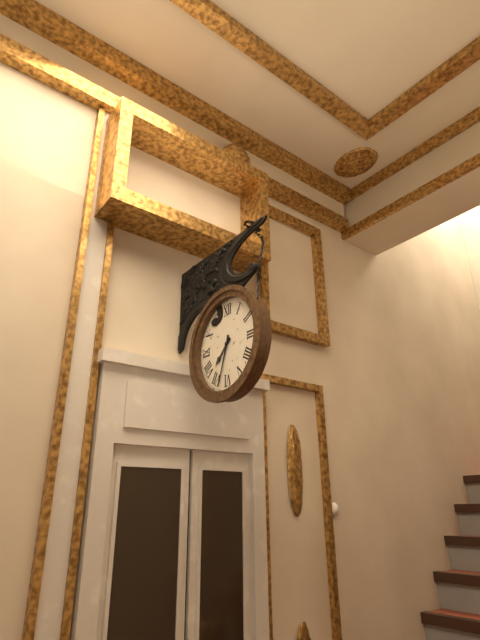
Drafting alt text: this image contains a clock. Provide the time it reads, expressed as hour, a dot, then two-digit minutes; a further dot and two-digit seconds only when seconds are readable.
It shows 7.33
